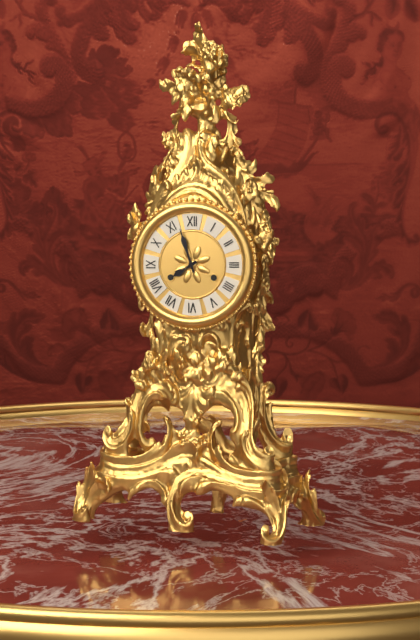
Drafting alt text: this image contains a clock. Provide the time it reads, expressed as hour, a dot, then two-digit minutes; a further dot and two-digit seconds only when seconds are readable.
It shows 7.57
